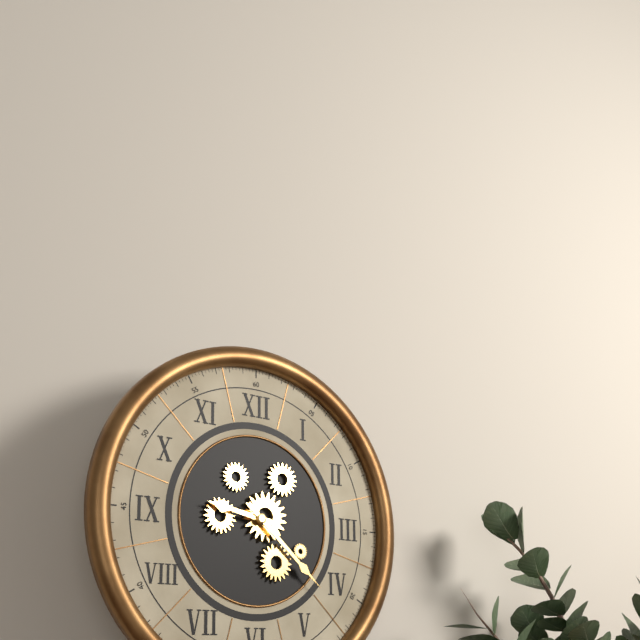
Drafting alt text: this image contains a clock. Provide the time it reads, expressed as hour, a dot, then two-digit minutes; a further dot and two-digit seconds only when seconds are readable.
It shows 9.22
